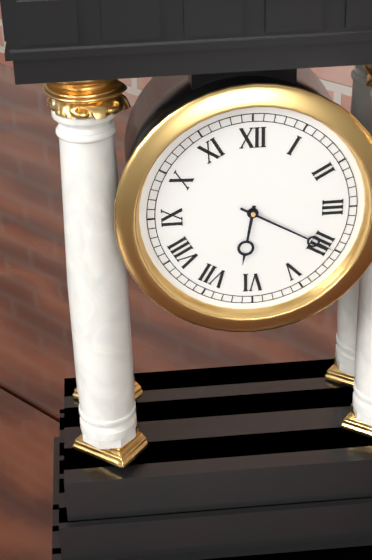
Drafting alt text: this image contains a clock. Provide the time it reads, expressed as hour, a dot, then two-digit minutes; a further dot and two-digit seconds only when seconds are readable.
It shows 6.20
